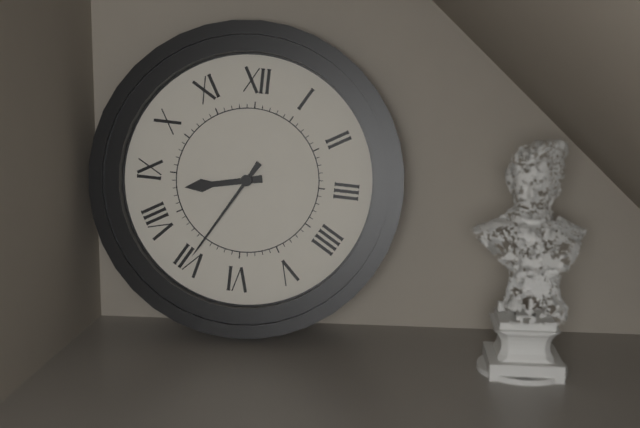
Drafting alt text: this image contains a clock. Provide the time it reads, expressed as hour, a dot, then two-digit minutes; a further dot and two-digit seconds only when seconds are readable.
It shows 8.35
